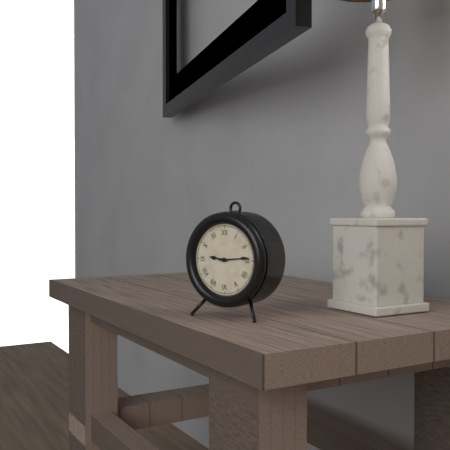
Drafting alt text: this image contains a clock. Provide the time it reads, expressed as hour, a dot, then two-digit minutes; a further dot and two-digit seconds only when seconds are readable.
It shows 9.14
